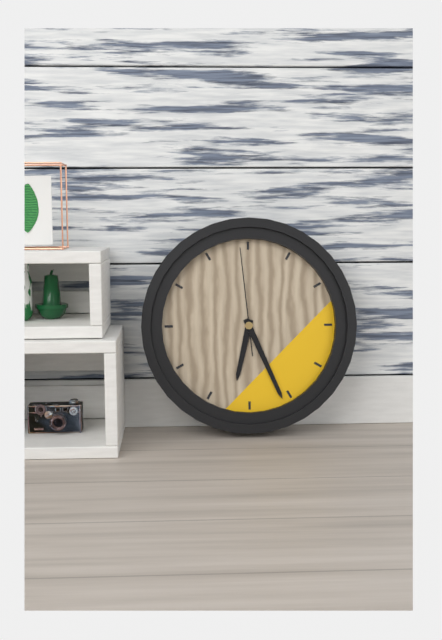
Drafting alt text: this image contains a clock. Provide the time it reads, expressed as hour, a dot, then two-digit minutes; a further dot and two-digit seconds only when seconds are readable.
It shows 6.26.59
